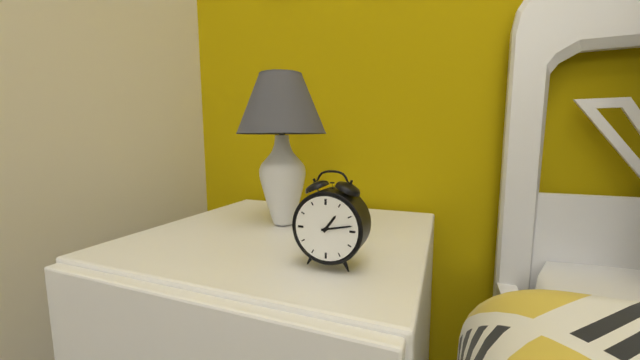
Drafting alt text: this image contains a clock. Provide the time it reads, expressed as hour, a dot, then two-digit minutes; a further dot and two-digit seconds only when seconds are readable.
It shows 1.13
